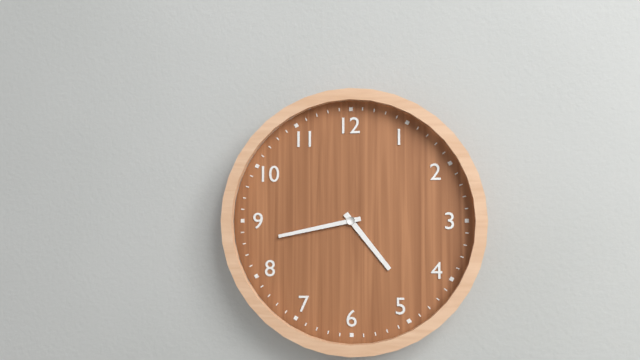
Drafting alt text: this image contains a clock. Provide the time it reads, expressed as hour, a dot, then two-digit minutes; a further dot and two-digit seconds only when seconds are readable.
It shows 4.43
